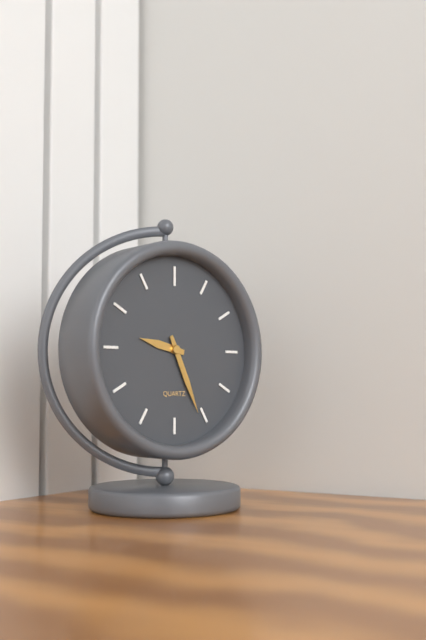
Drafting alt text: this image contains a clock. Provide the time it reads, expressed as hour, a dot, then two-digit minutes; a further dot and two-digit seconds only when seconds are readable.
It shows 9.26
